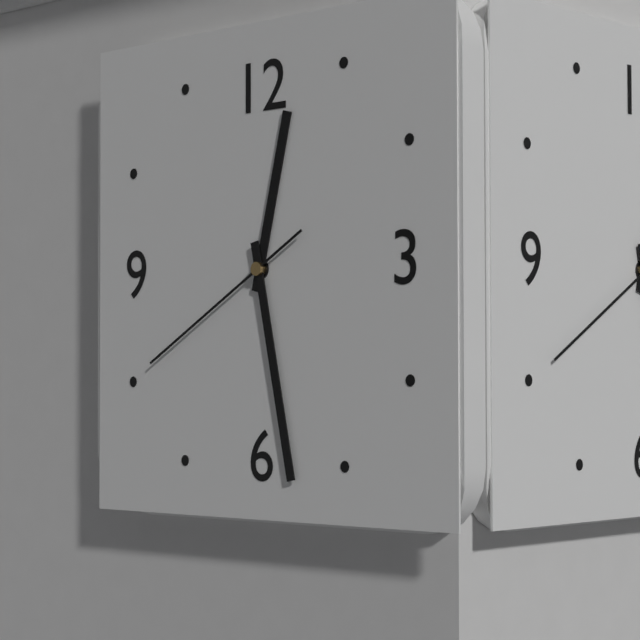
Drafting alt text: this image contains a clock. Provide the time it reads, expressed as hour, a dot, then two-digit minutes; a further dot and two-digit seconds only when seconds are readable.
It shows 12.28.40
